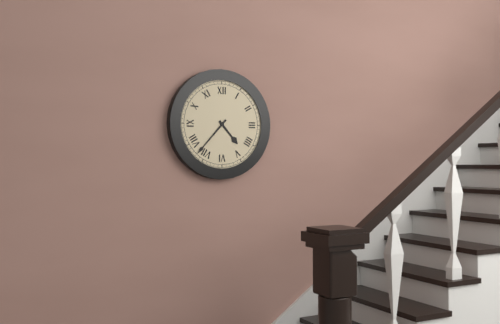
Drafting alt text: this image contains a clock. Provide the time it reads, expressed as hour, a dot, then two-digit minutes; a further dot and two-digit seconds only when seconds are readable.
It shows 4.37
